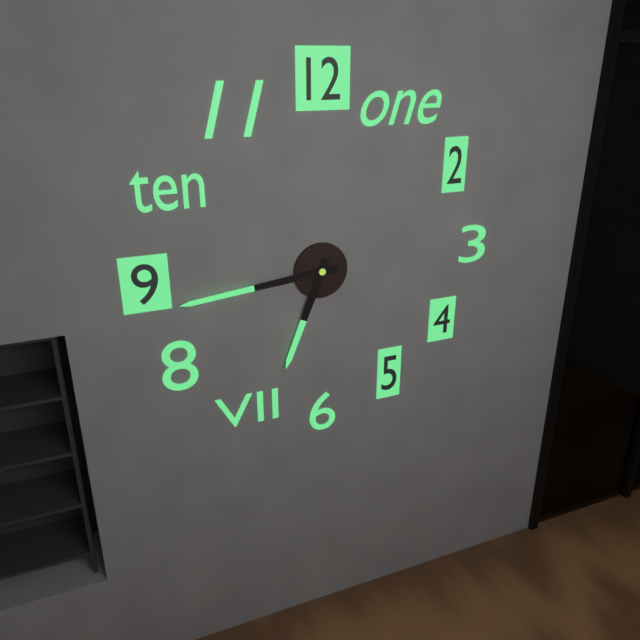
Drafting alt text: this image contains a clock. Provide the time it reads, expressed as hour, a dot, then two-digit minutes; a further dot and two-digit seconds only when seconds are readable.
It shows 6.44
